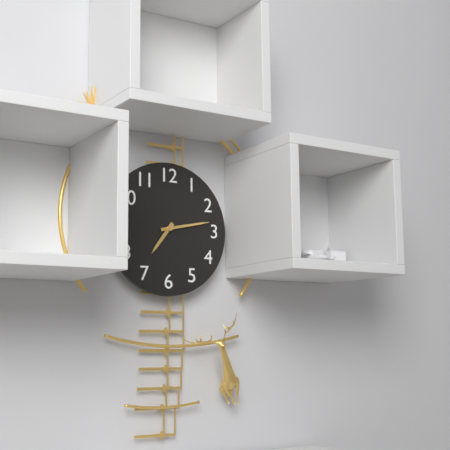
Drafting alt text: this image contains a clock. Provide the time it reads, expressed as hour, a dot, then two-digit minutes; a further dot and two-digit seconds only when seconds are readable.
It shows 7.13
